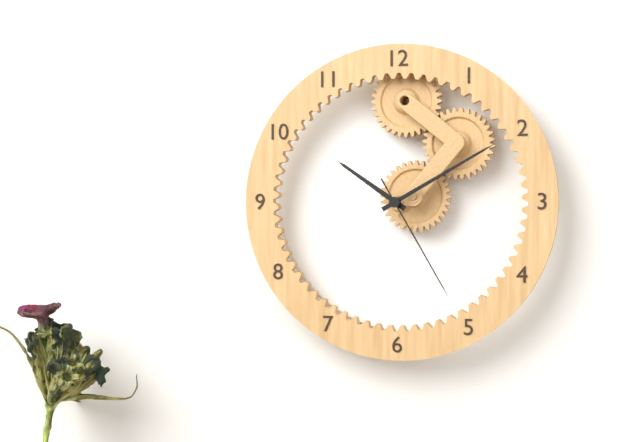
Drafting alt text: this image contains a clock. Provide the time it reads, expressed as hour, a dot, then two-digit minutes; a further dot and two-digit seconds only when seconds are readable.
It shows 10.10.25
